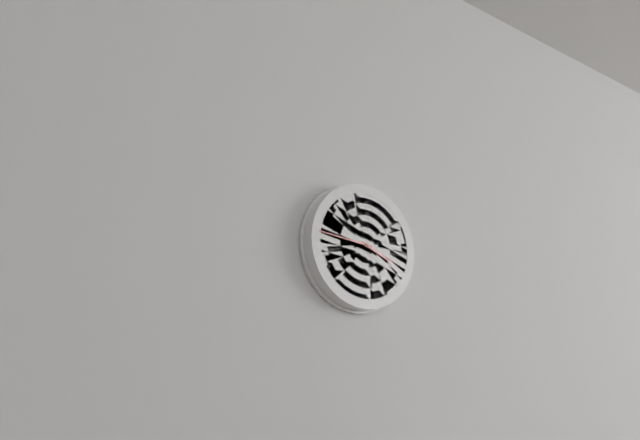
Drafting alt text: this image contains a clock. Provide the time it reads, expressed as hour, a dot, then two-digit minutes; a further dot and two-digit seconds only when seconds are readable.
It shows 3.46
